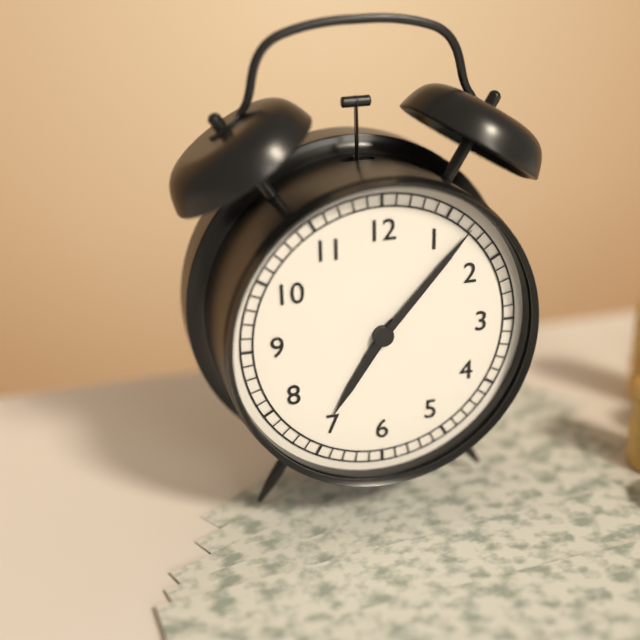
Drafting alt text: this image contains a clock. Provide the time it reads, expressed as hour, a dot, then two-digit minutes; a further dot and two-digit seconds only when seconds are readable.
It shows 7.07
